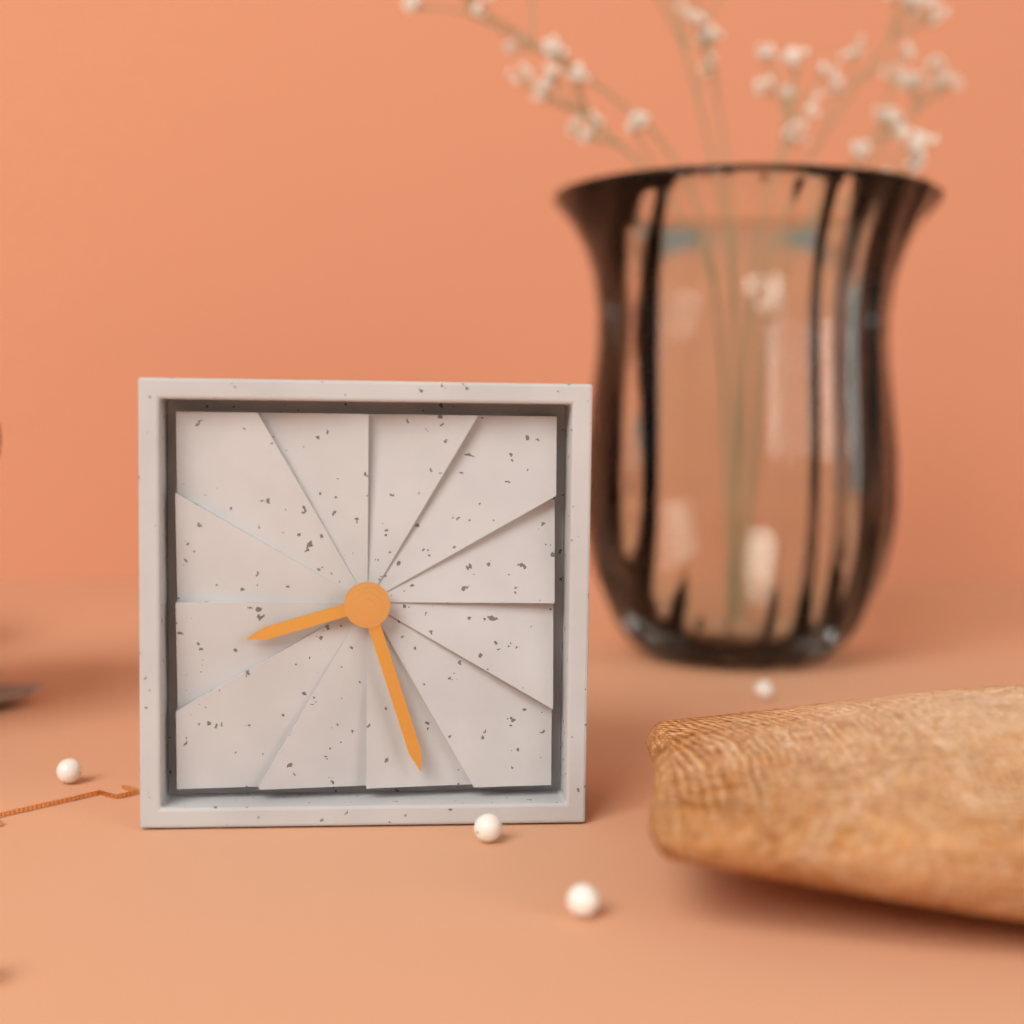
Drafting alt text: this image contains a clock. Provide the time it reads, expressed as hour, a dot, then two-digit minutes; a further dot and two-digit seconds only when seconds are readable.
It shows 8.27
